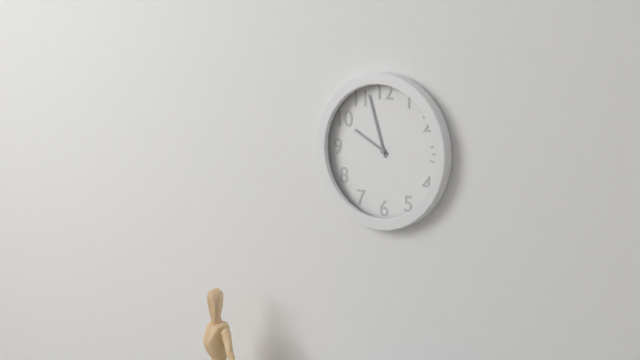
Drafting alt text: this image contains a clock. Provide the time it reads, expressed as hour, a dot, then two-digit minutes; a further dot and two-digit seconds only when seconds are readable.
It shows 9.57
